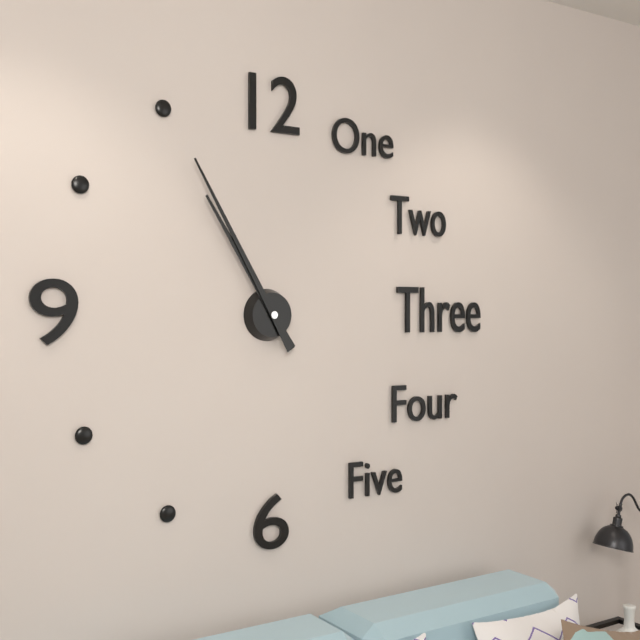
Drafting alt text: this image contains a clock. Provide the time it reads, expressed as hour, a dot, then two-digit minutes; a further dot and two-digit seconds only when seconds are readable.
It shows 10.55
